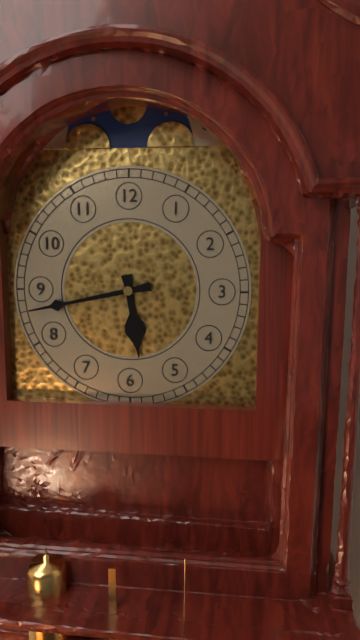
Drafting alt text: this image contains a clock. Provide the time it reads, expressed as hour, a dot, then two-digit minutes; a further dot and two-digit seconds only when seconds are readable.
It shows 5.43
